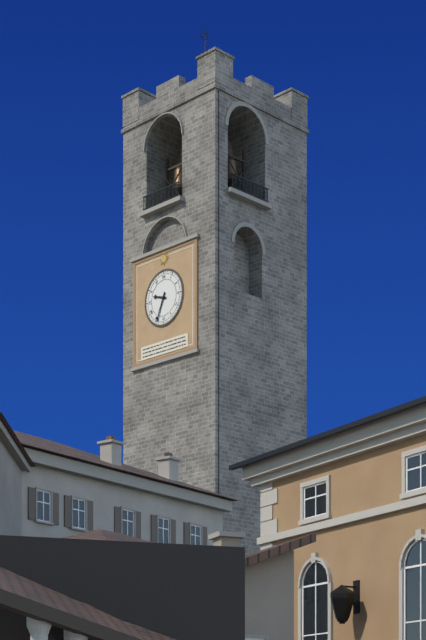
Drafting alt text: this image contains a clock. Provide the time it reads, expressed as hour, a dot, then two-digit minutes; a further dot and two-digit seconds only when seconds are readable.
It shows 9.34
